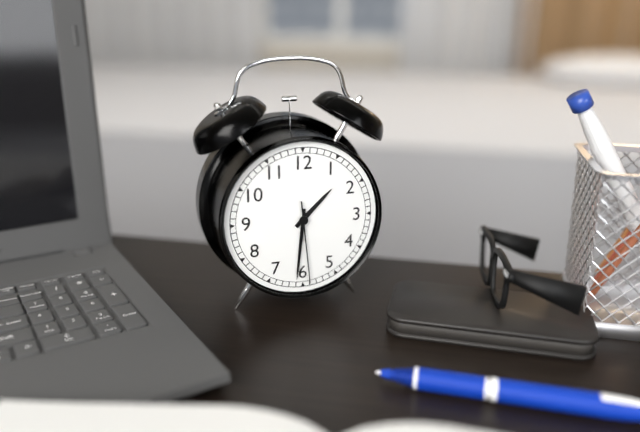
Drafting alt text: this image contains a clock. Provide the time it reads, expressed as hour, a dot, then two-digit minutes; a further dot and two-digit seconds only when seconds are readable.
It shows 1.31.29
